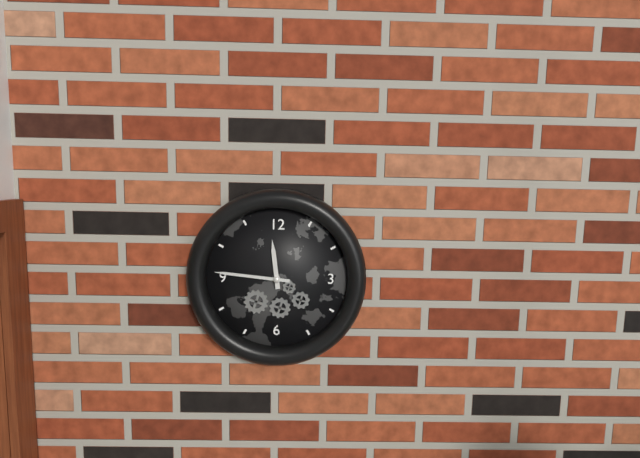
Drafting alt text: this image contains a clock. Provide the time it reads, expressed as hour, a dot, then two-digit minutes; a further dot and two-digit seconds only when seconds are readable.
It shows 11.46
